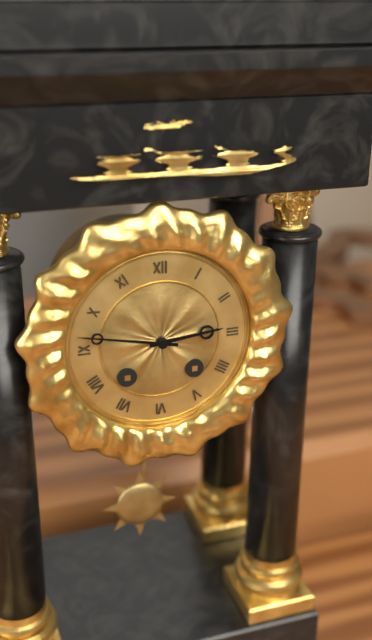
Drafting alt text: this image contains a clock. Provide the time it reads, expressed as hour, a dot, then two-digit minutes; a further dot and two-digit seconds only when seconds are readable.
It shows 2.47
